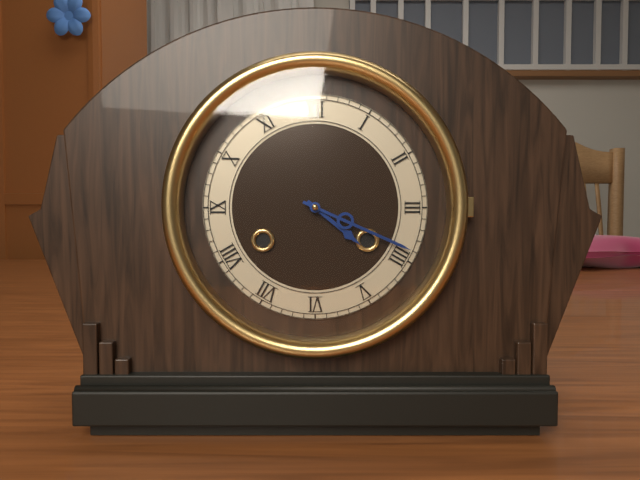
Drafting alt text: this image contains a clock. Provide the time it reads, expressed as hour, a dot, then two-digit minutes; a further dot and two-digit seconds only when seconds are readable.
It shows 4.19
